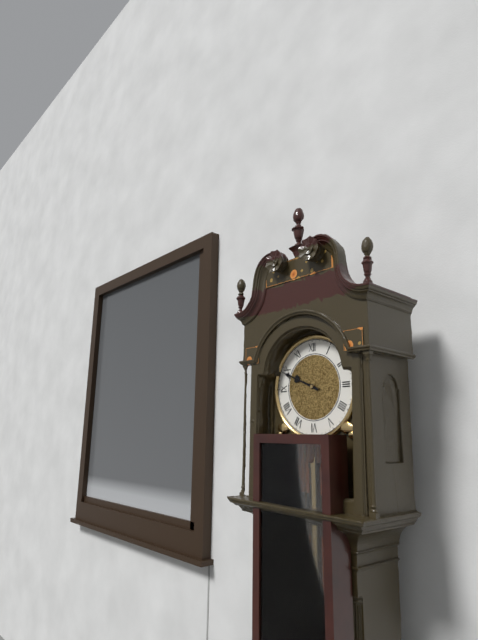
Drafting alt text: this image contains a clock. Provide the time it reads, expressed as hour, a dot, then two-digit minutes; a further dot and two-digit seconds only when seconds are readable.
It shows 9.49
